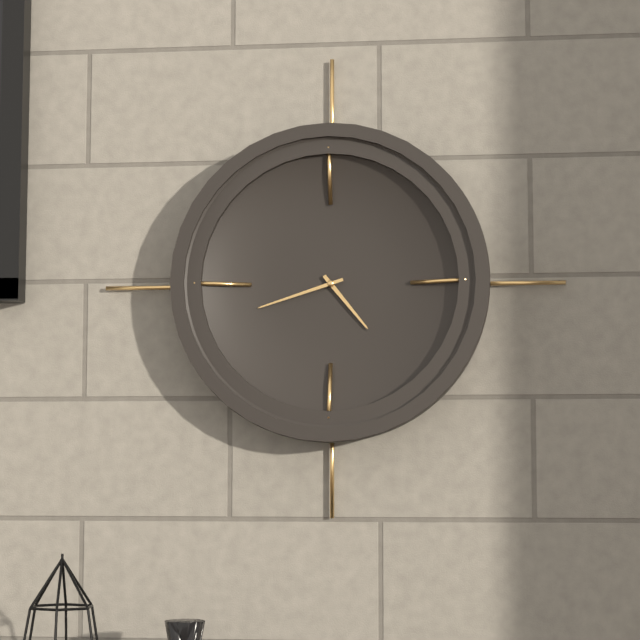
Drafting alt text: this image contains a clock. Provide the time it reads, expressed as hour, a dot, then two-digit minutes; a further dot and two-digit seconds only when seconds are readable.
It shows 4.42
